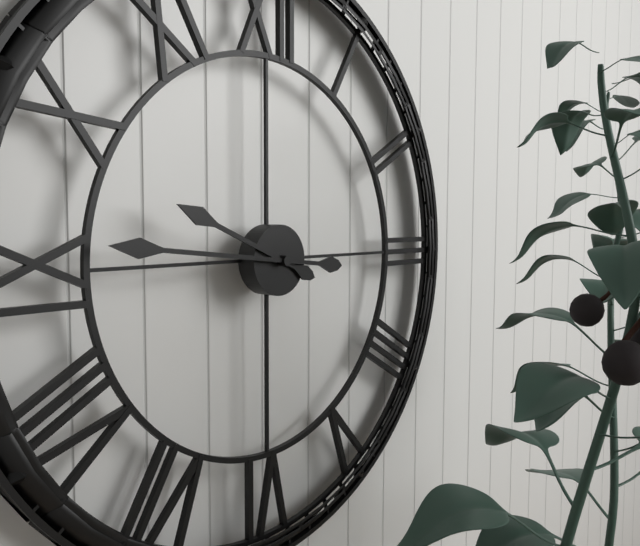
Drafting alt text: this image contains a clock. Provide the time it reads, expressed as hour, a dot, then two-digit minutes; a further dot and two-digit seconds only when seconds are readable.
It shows 9.46
